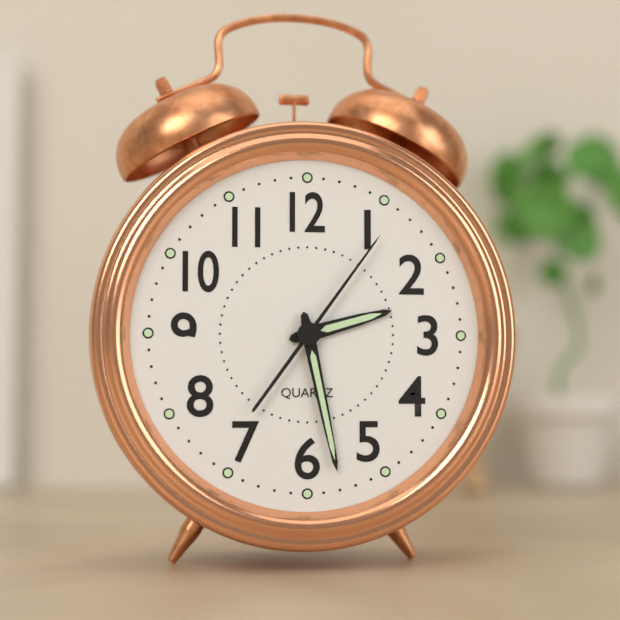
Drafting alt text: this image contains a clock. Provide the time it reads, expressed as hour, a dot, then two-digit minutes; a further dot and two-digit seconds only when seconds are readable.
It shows 2.28.06
